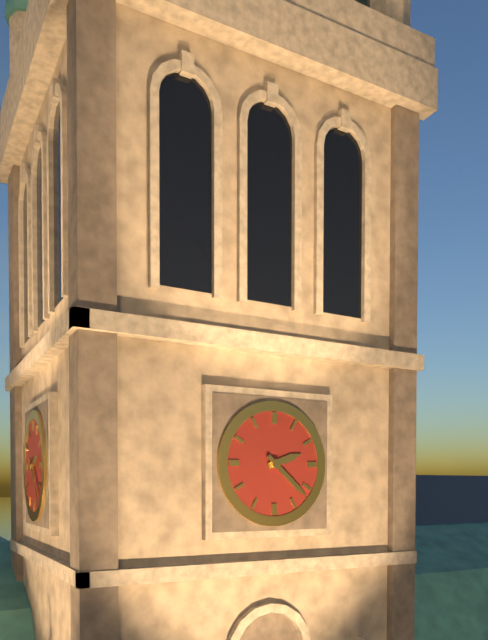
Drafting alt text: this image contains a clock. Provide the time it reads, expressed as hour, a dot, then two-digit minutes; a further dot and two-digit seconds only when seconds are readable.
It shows 2.22
